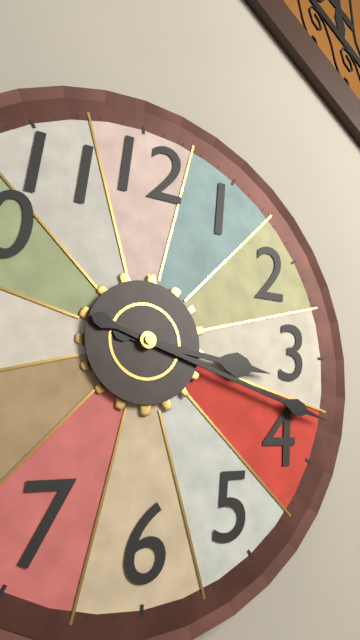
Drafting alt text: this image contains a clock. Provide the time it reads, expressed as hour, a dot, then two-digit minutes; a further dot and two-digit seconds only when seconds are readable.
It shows 3.18
